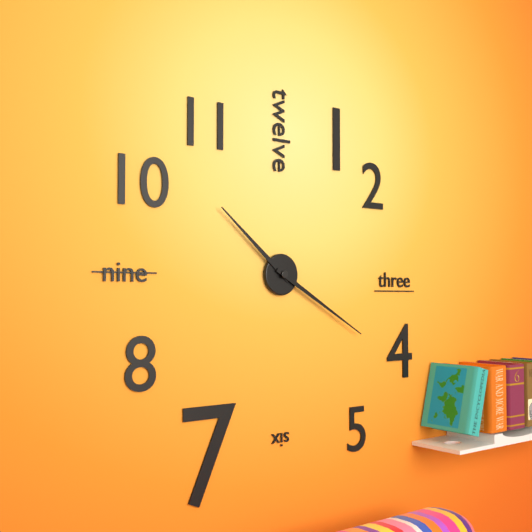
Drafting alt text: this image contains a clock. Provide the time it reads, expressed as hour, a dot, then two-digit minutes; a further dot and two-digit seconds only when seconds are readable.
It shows 10.20
